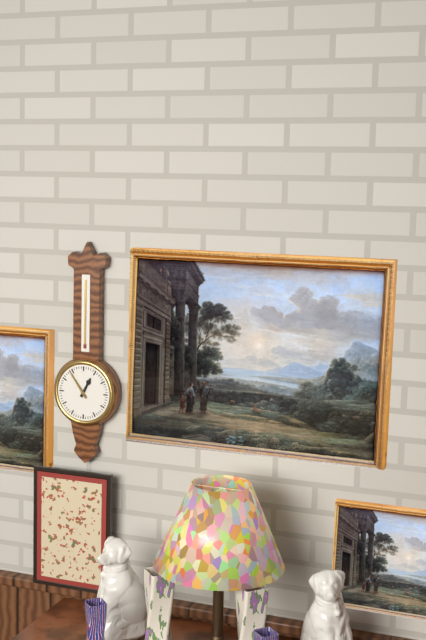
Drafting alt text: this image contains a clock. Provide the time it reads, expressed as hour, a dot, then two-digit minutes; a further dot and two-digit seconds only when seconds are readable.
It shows 12.54
